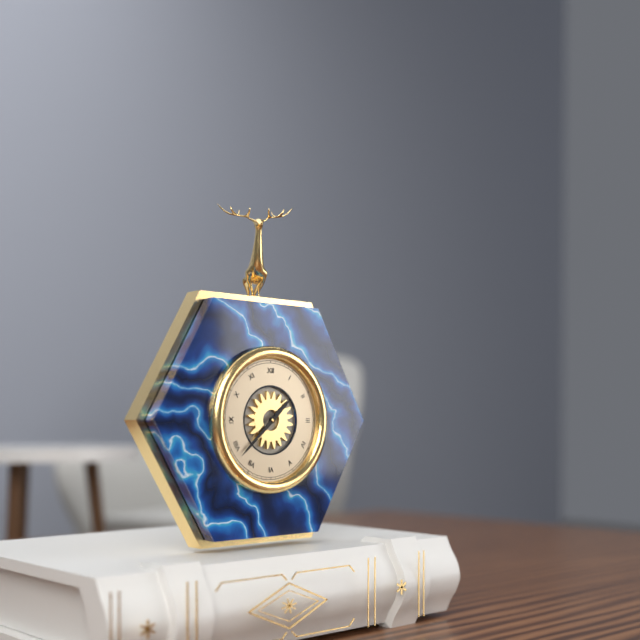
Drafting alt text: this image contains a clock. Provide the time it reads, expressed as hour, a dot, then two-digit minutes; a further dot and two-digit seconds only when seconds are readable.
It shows 1.38
